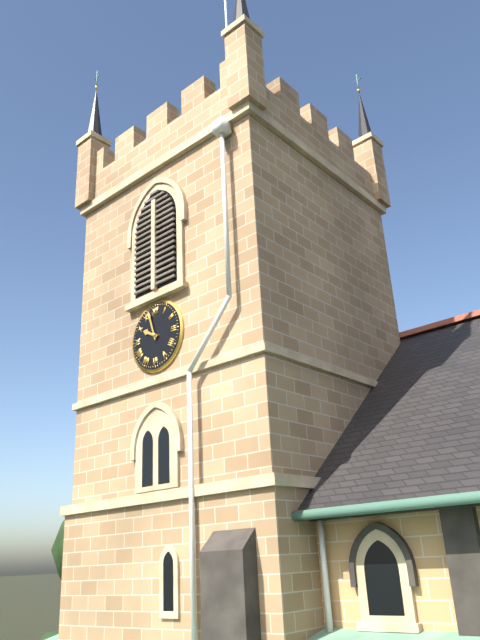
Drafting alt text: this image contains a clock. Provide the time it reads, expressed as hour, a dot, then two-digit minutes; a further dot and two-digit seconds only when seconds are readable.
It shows 9.57
